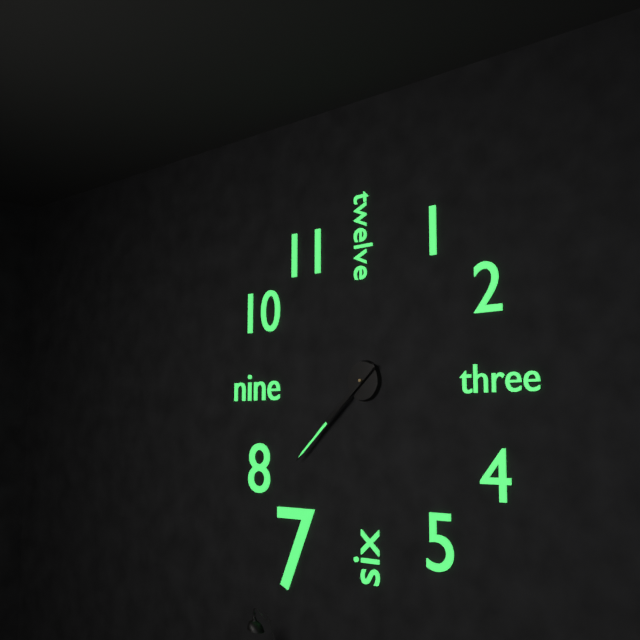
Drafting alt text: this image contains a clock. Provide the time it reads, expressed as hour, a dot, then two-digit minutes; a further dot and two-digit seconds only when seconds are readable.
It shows 7.38
